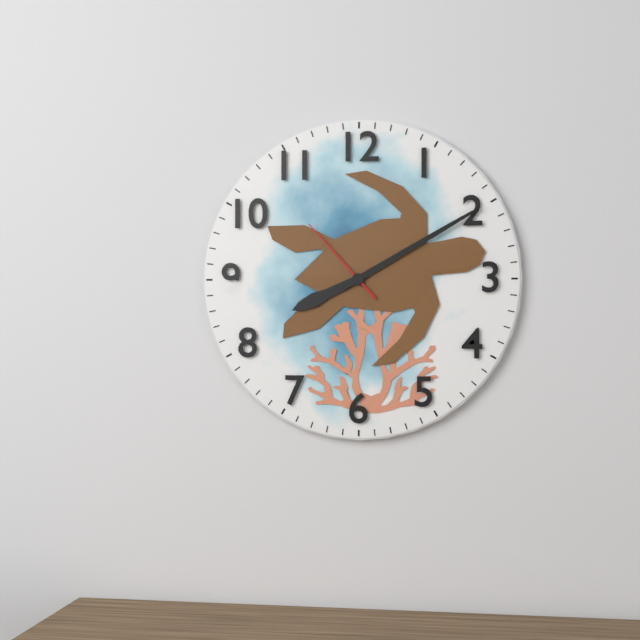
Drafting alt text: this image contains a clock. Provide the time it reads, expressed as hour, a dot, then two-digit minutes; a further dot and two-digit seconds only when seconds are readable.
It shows 8.10.53
